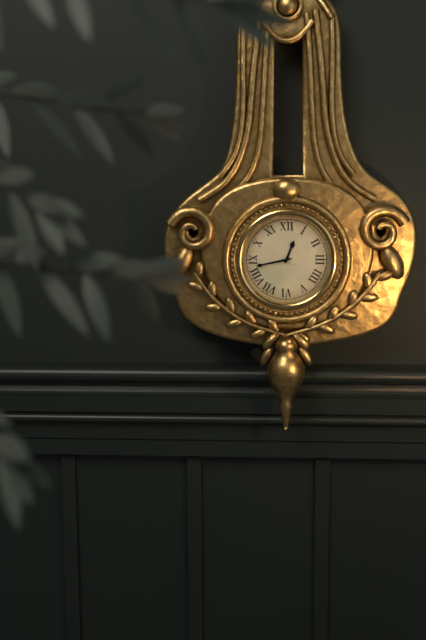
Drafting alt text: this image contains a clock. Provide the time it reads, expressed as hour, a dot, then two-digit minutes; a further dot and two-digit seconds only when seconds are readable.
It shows 12.43
